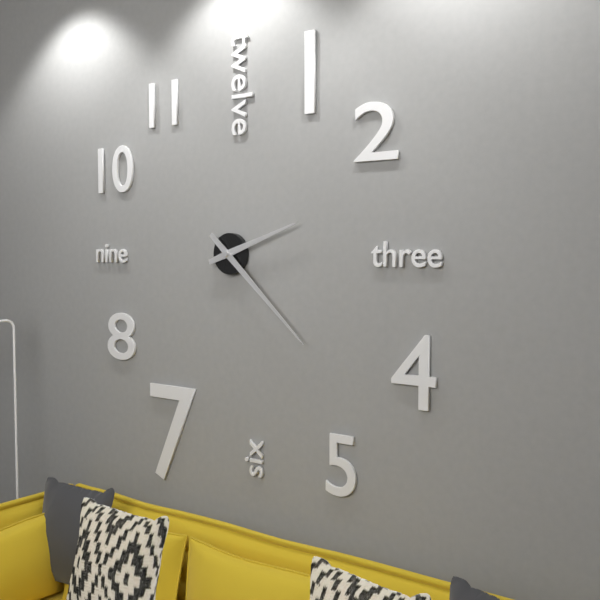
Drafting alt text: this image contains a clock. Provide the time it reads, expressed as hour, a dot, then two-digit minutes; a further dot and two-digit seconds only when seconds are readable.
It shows 2.22
